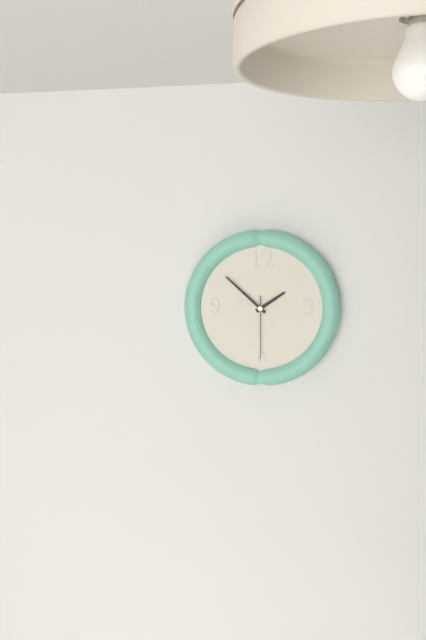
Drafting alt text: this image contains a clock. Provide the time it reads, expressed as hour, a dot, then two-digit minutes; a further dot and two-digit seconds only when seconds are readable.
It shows 1.52.30
